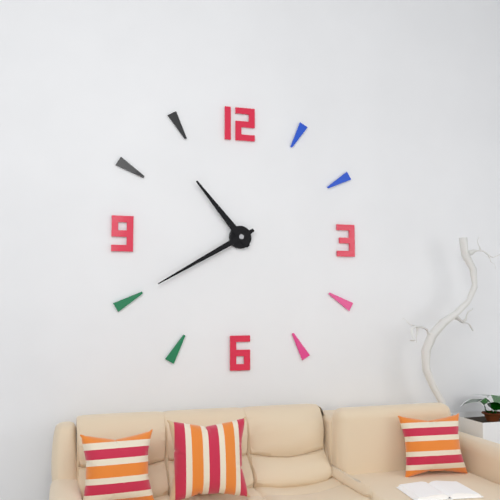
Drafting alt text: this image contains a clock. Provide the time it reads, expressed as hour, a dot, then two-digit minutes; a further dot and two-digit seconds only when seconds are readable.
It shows 10.40
